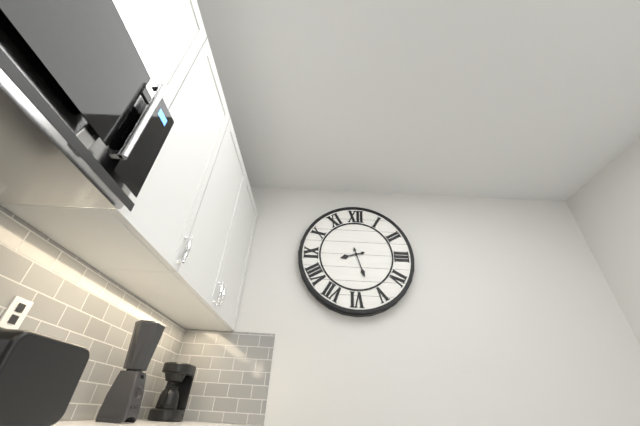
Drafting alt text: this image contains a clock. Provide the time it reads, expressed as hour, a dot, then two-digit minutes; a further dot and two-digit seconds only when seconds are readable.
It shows 8.27
